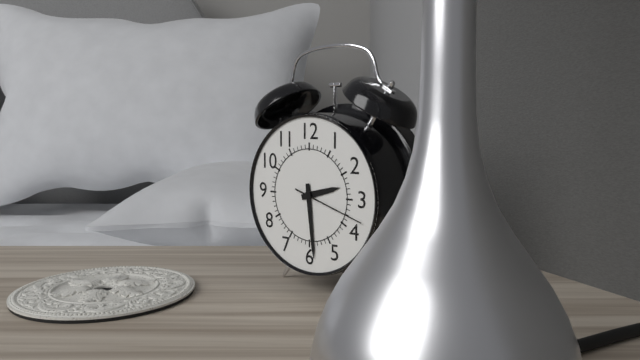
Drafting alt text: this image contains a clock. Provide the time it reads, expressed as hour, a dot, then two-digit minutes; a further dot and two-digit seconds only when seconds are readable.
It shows 2.29.18
